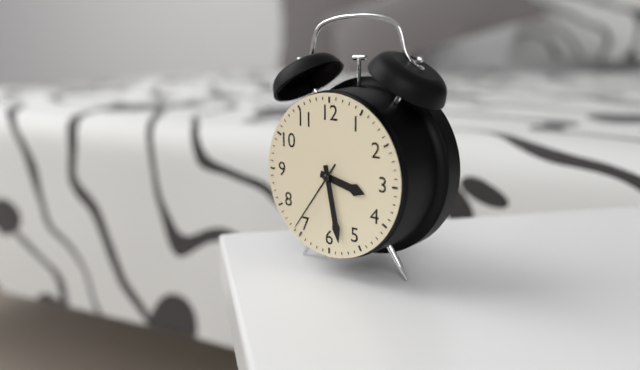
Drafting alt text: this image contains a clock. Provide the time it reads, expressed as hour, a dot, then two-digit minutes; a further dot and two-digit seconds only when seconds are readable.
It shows 3.28.36
